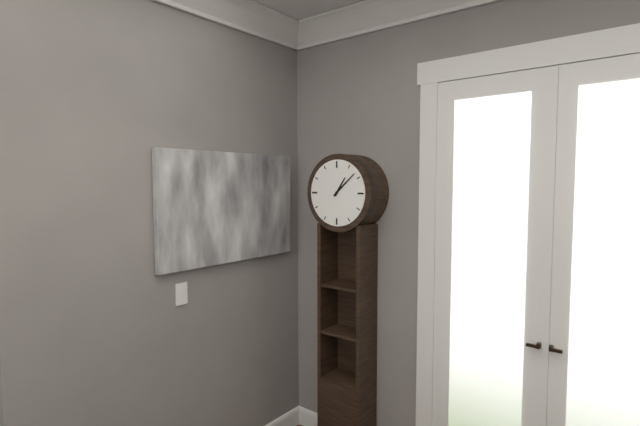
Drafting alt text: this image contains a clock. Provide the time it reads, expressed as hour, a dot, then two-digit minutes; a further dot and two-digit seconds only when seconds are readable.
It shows 1.08
